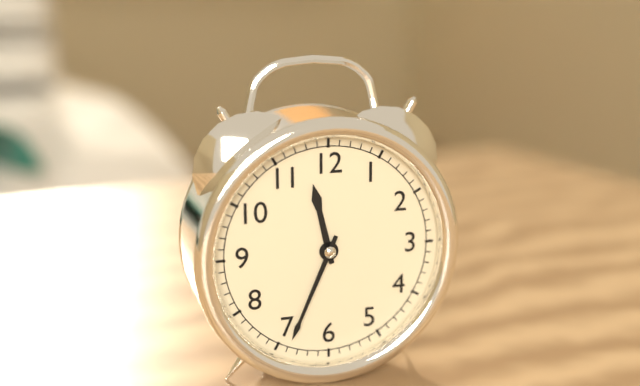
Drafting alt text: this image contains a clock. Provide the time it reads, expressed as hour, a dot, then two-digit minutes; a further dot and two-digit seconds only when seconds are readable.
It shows 11.34
